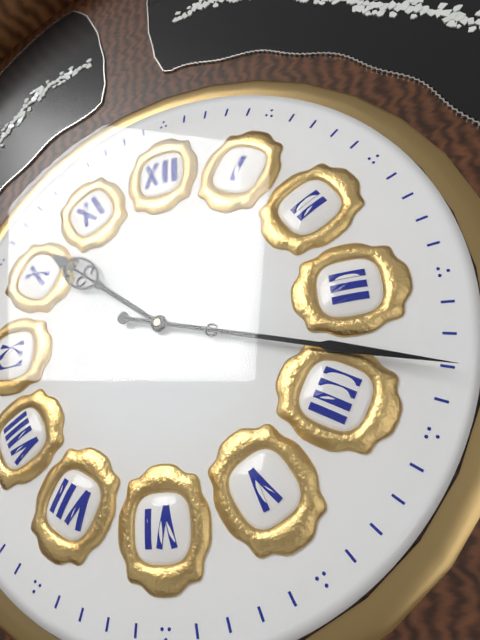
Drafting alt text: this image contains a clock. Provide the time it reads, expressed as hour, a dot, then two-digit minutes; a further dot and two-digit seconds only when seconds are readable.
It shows 10.18
